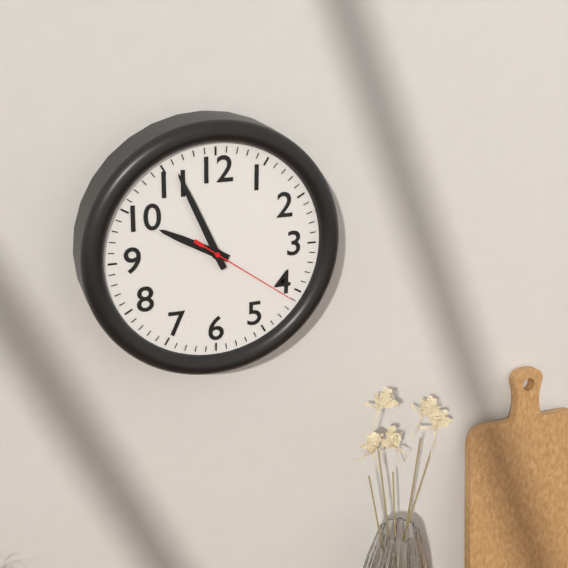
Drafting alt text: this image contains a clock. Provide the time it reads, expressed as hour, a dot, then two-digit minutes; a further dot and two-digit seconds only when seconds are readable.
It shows 9.56.21
